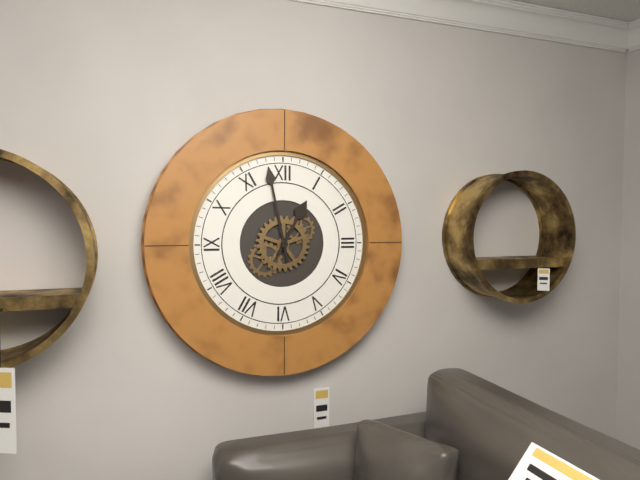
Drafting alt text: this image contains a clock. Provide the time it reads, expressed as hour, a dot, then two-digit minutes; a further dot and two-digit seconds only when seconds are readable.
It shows 12.58
